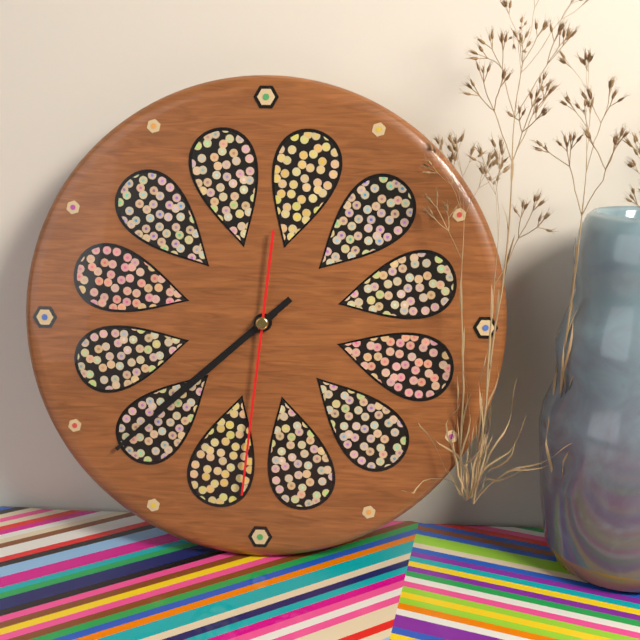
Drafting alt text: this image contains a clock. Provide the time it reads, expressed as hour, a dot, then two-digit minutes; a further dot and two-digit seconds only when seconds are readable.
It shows 7.38.31
